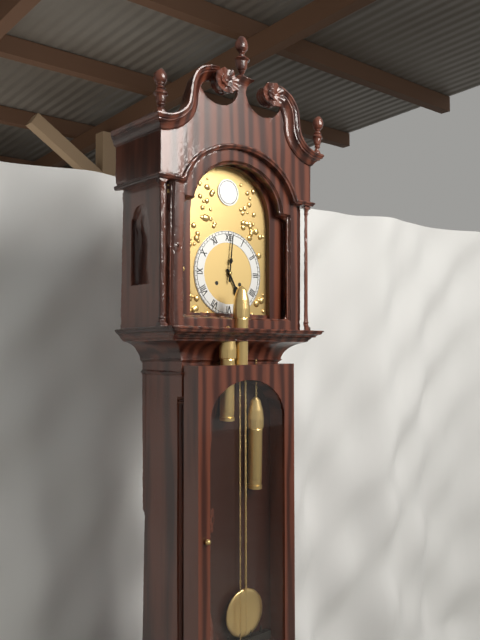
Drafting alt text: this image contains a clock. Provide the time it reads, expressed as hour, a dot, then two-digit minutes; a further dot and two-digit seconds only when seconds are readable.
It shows 5.01
